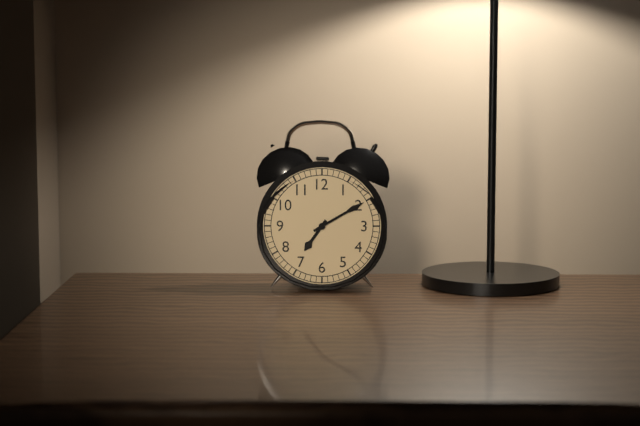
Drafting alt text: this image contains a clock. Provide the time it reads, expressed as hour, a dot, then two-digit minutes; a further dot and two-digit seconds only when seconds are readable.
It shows 7.10
